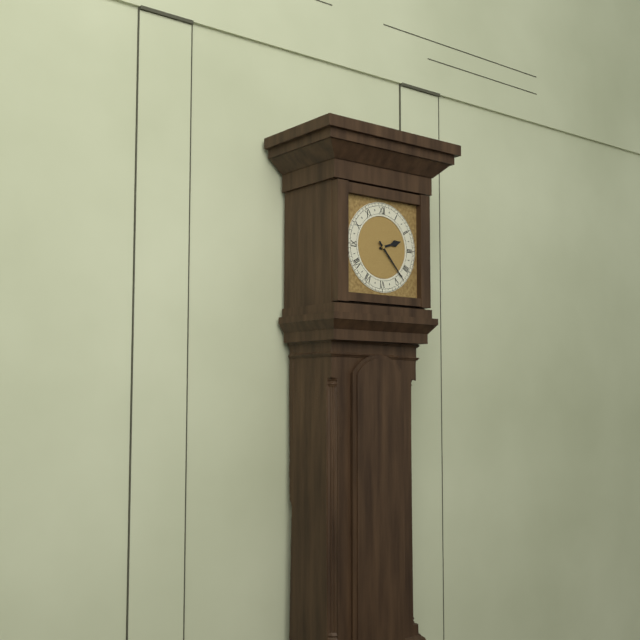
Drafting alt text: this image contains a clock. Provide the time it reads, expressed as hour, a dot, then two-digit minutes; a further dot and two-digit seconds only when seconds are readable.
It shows 2.23
